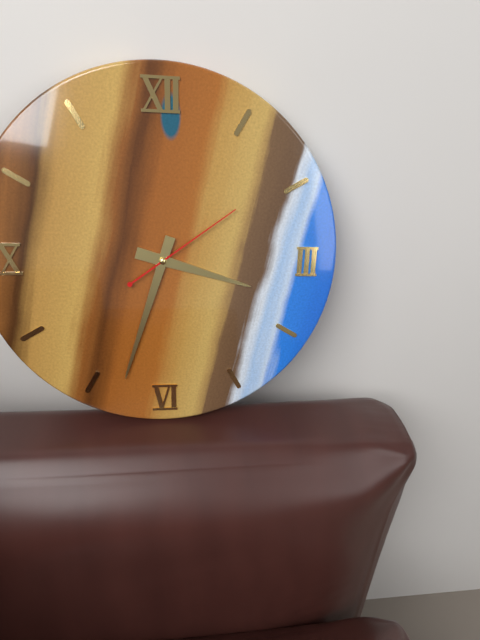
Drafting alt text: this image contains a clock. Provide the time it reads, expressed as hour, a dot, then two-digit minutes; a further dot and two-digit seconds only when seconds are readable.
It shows 3.33.09
